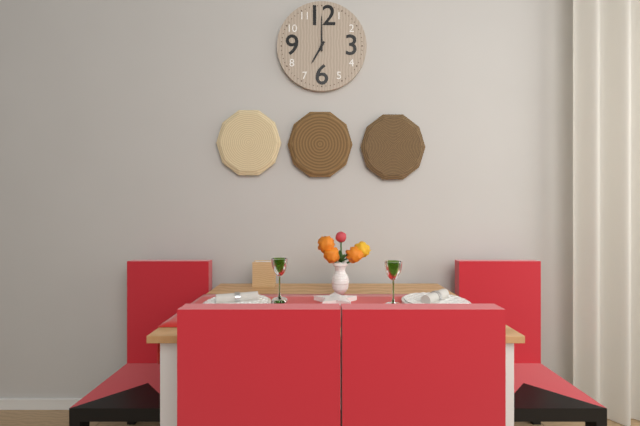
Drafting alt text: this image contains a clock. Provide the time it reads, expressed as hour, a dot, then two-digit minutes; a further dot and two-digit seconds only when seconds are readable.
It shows 7.00
